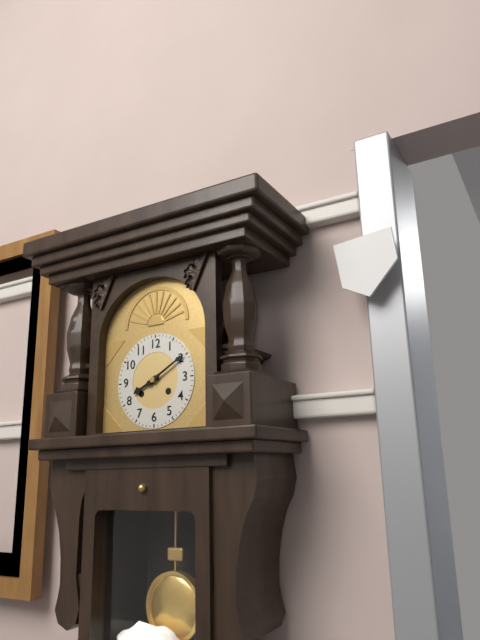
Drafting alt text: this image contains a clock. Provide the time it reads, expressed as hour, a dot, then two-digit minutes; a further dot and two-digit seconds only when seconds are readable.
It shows 8.10
